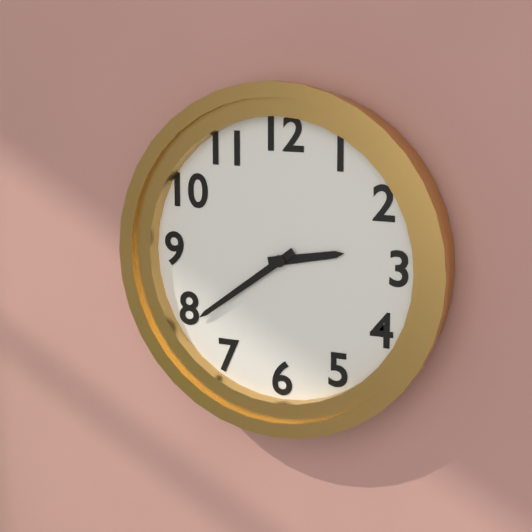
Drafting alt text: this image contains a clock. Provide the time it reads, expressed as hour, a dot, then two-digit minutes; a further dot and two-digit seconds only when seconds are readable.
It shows 2.39
